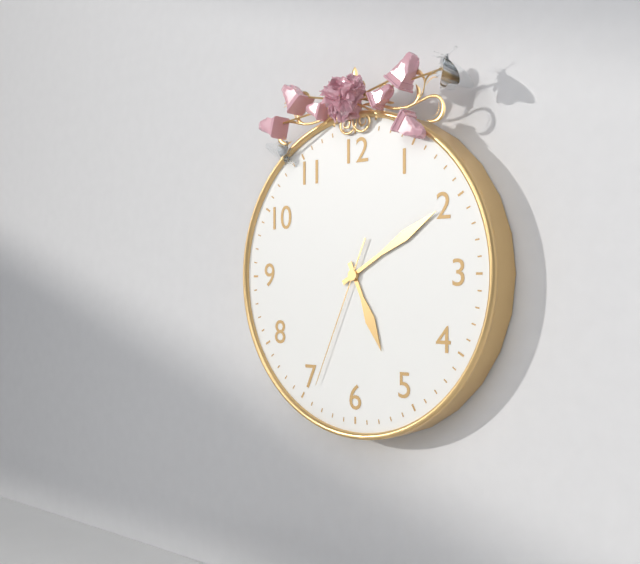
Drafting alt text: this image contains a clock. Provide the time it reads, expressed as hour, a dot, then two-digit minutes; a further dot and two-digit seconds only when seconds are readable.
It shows 5.10.34
